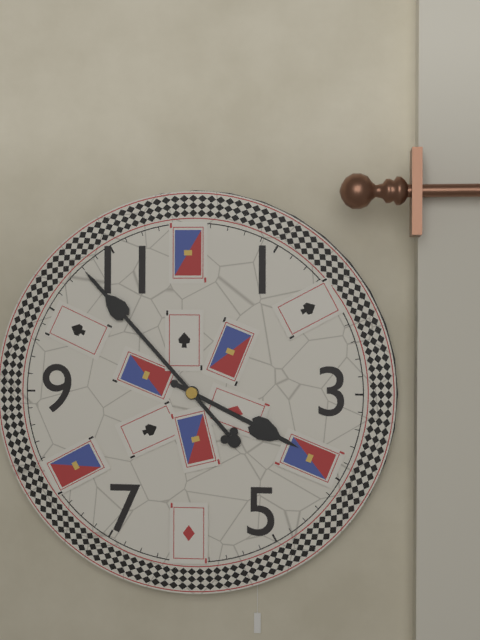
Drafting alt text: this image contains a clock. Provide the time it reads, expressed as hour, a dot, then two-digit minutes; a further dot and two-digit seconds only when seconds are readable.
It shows 3.53
